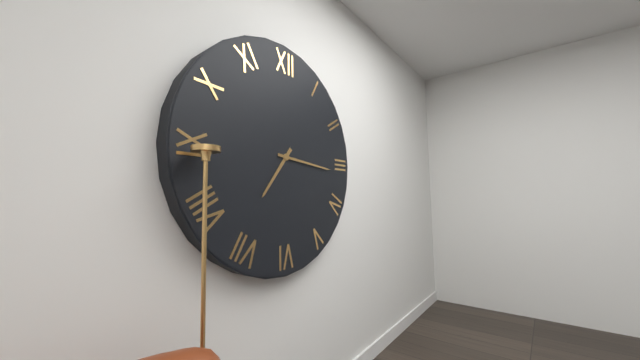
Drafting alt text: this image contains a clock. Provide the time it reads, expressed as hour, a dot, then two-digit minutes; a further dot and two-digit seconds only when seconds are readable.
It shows 7.16
